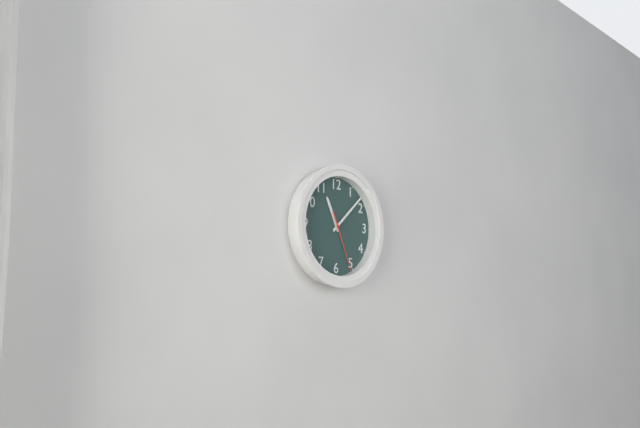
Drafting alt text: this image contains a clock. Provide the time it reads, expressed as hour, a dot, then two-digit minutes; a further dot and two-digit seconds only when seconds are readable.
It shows 11.08.26
